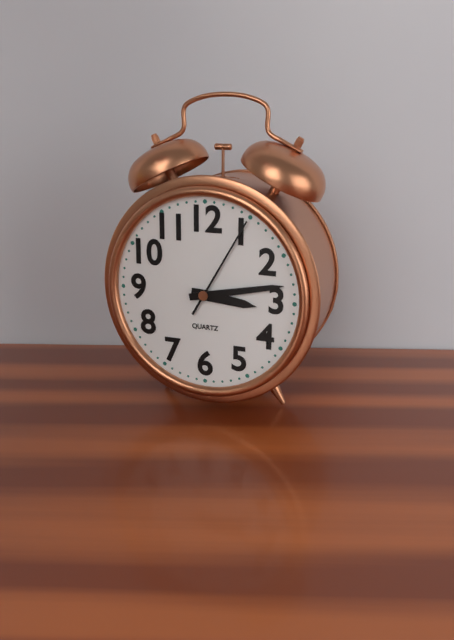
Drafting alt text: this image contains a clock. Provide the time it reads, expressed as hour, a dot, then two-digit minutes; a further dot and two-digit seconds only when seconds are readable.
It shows 3.13.05
